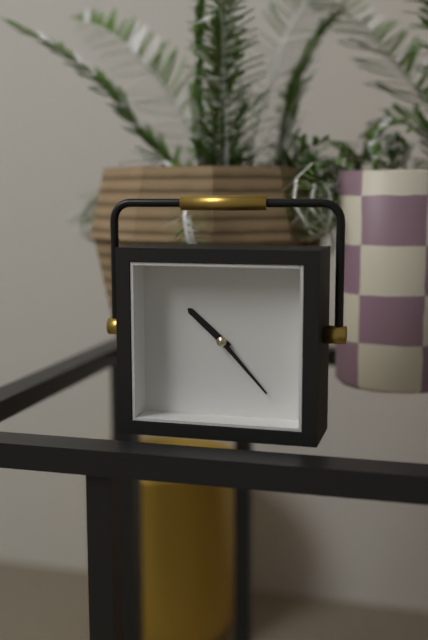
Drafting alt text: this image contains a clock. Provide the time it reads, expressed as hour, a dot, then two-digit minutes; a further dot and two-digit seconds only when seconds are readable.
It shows 10.23
